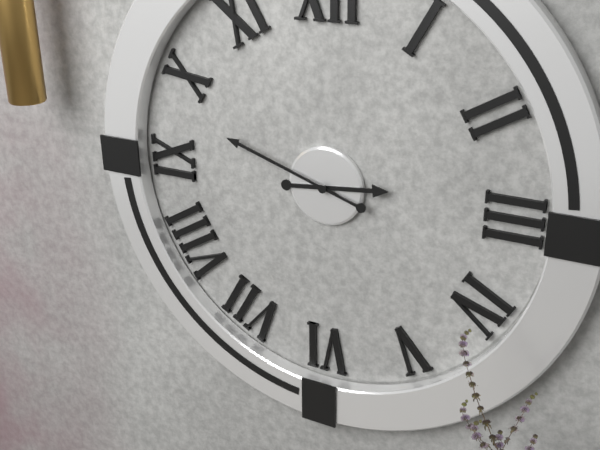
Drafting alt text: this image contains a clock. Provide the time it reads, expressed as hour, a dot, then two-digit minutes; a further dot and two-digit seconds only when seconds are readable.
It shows 2.48
